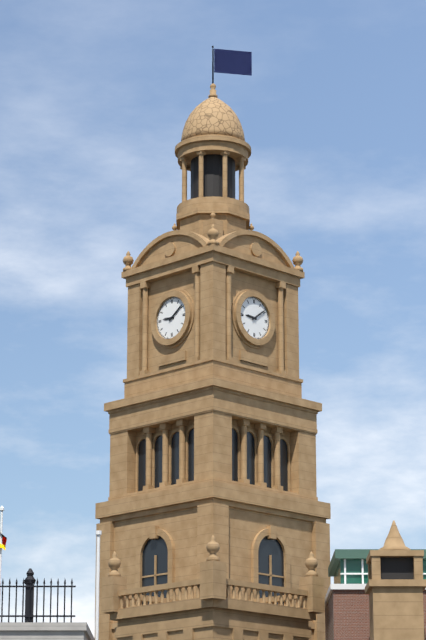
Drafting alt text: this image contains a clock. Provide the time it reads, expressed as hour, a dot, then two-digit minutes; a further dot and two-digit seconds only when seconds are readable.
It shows 9.09
